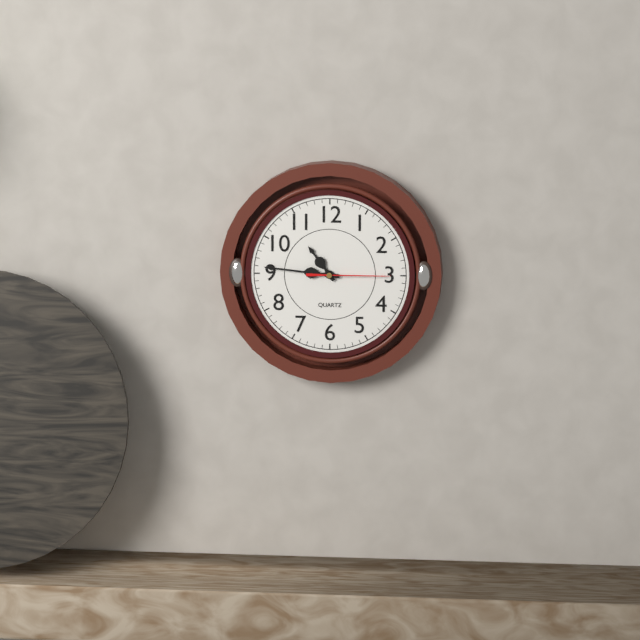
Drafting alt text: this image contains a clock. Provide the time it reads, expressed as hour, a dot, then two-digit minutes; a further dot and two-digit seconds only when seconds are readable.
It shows 10.46.15
